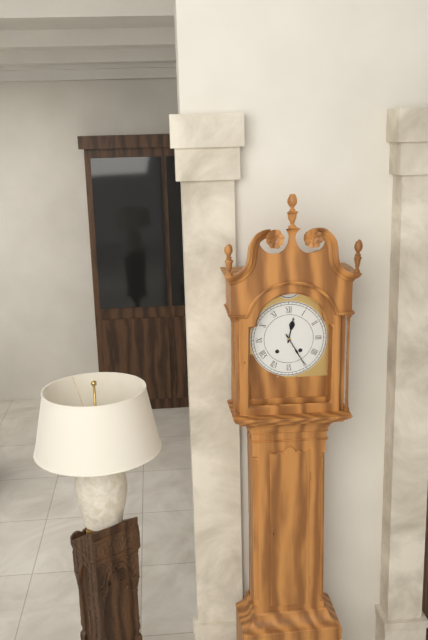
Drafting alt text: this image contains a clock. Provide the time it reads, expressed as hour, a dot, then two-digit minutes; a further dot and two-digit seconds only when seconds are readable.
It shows 12.25
